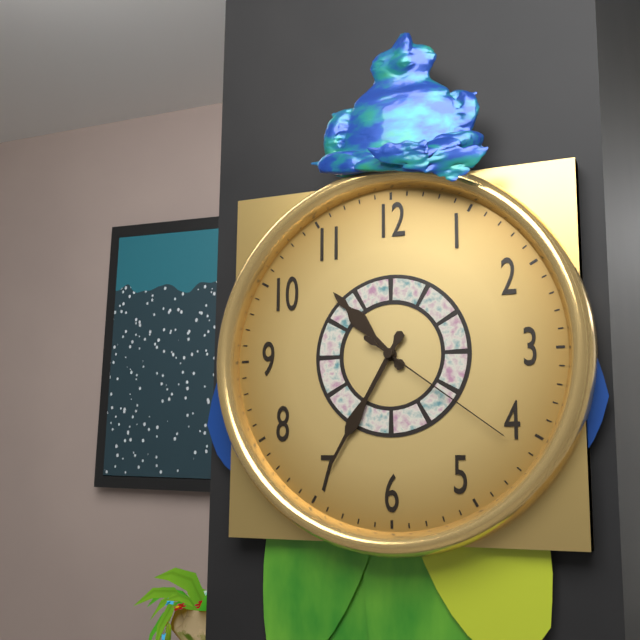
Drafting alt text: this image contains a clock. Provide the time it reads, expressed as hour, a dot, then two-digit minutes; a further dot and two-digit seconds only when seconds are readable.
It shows 10.35.21
